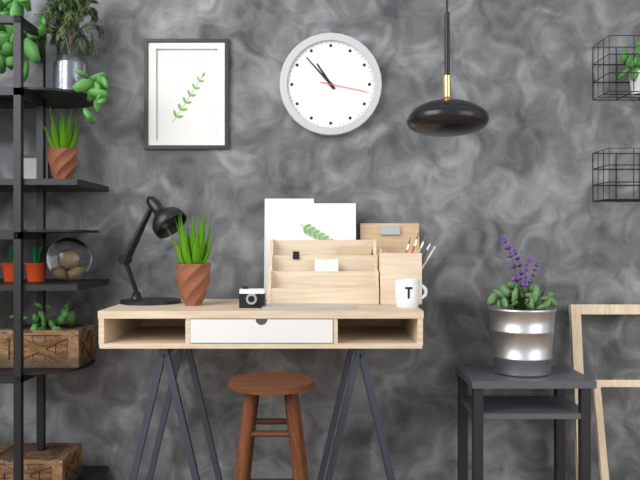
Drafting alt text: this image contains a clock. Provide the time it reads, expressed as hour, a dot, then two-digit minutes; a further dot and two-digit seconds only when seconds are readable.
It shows 10.53
